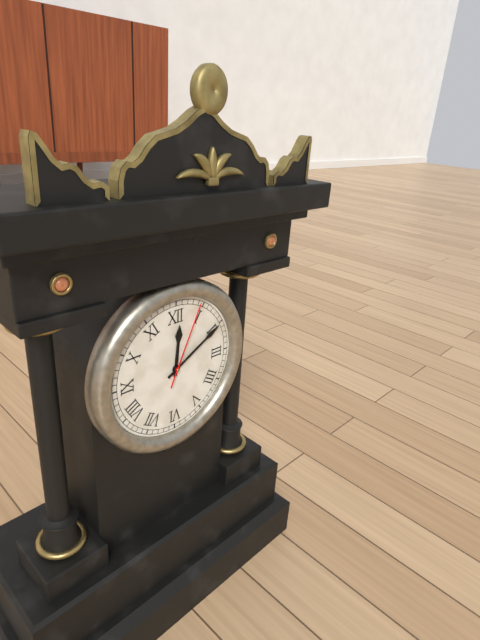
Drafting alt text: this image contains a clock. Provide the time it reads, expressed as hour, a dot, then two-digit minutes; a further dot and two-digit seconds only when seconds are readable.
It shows 12.10.04
